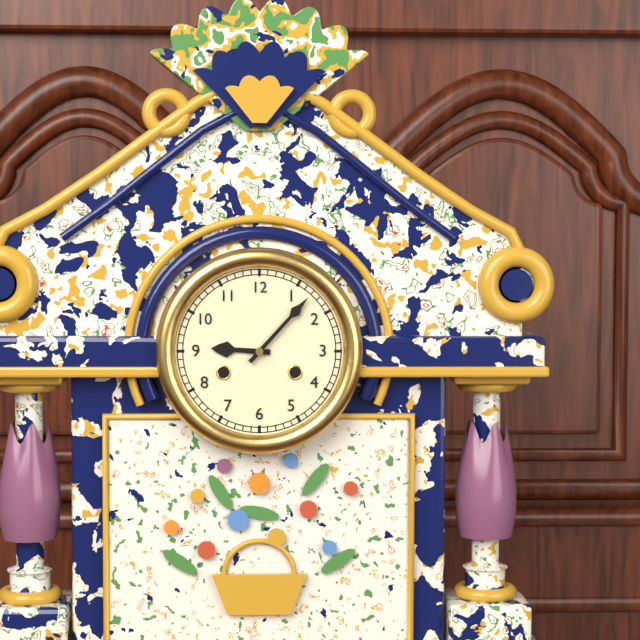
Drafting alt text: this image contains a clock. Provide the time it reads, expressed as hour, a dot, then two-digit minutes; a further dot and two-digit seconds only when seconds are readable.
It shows 9.07
